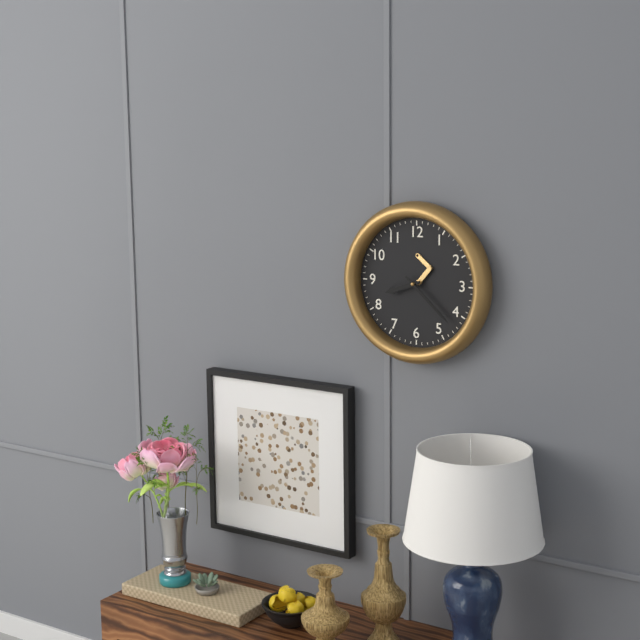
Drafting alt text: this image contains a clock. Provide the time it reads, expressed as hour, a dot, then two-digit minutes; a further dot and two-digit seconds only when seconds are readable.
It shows 8.22
